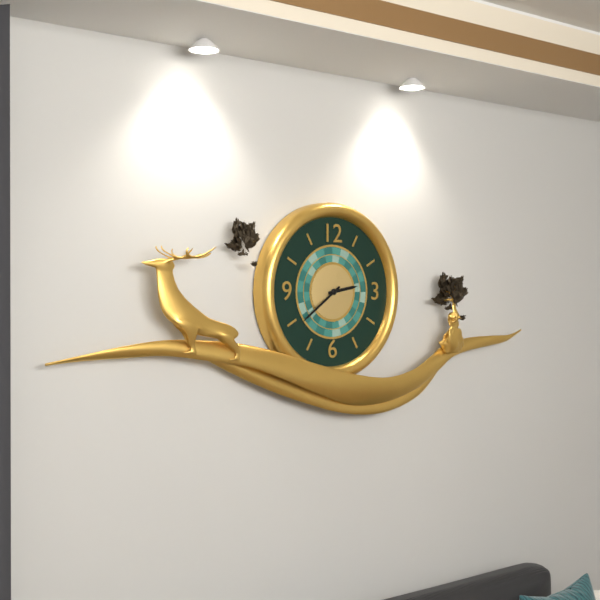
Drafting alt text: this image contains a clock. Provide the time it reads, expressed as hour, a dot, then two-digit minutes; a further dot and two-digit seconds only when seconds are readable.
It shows 2.39
